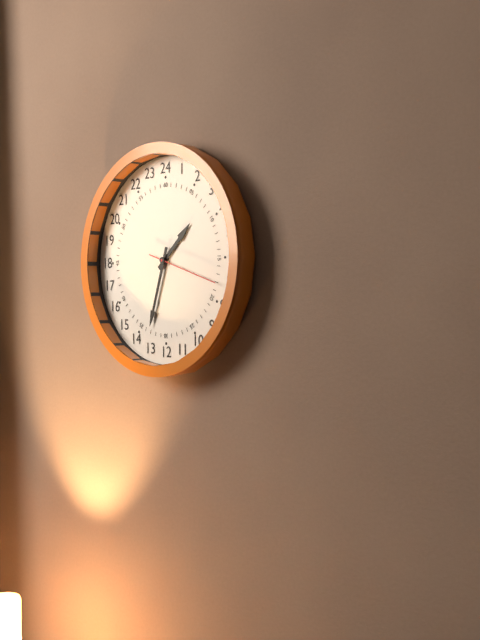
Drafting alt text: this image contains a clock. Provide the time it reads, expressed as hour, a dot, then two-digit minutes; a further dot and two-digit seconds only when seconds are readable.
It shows 1.33.18
